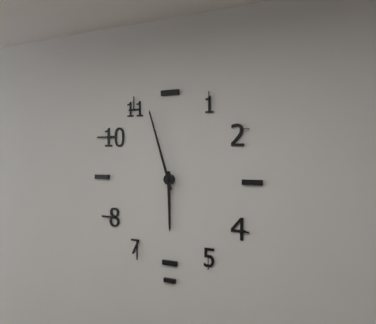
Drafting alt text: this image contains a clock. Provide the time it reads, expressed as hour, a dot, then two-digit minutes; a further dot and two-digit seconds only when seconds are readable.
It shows 5.57
